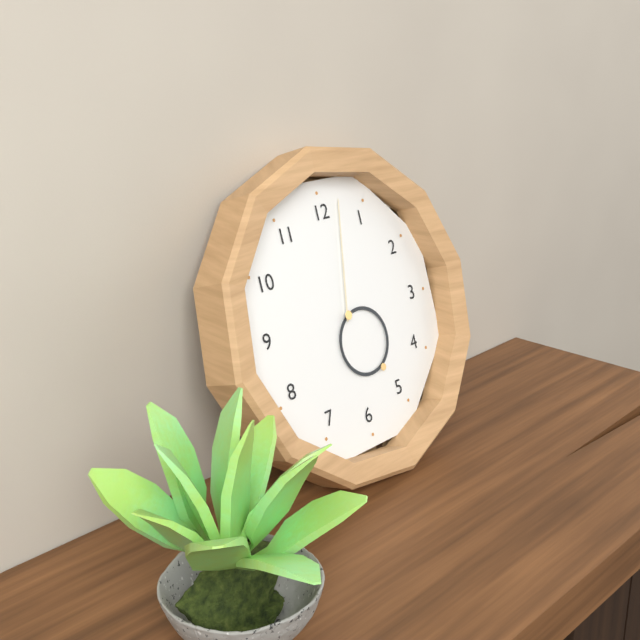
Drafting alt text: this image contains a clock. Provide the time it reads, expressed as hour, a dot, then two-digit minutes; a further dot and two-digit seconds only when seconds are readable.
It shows 5.02
